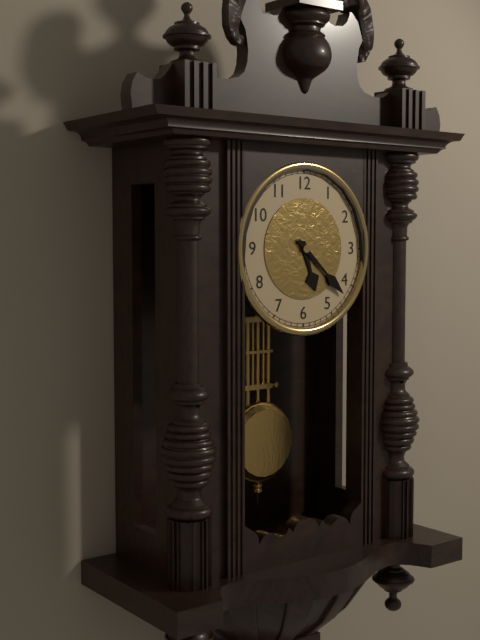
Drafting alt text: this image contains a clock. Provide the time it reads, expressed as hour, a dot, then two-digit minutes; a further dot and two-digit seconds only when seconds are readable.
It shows 5.22
